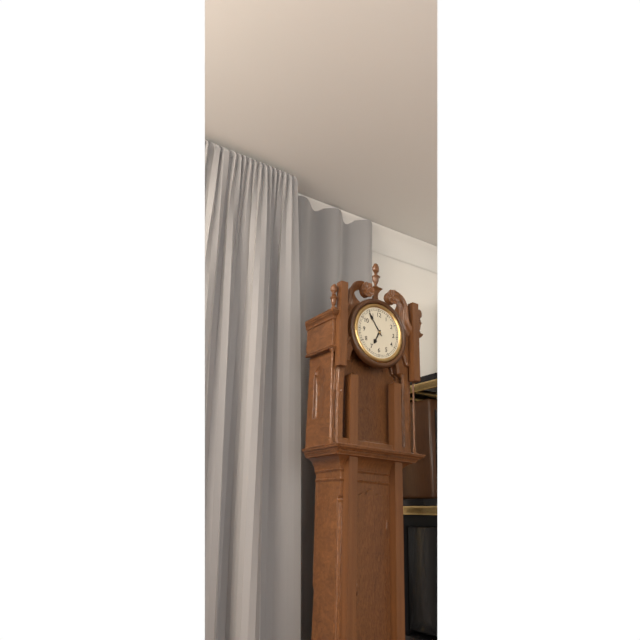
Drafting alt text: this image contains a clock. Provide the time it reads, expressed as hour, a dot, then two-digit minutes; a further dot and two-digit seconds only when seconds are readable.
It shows 6.54
